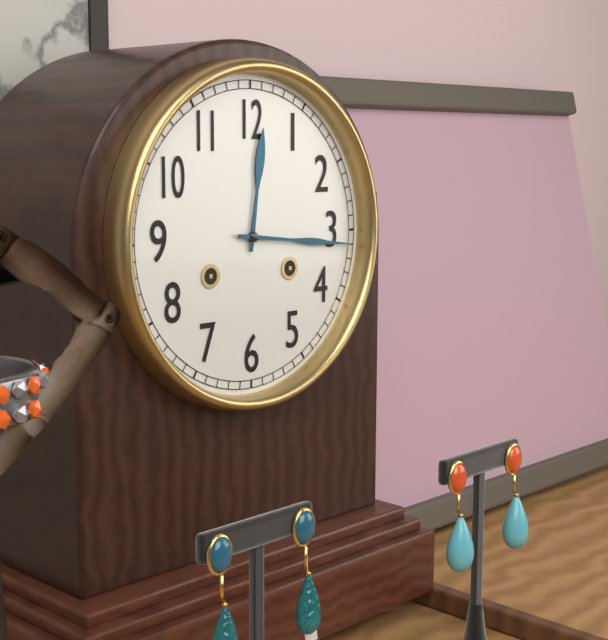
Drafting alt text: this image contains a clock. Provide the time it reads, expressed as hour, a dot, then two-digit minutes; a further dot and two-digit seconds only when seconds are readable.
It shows 12.16
